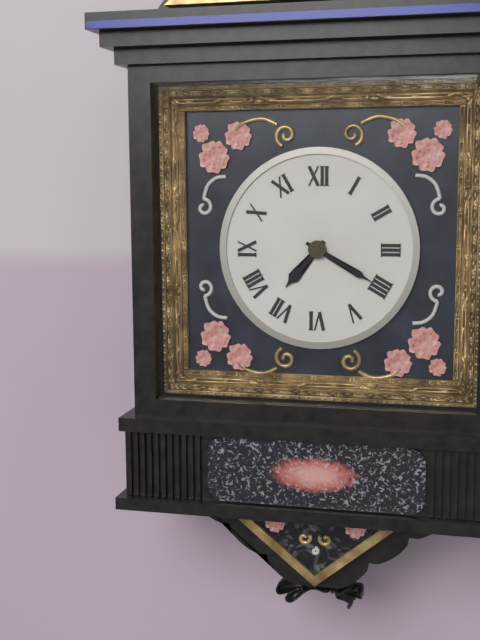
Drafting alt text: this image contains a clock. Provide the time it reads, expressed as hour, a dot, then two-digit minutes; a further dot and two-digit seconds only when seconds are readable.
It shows 7.20
